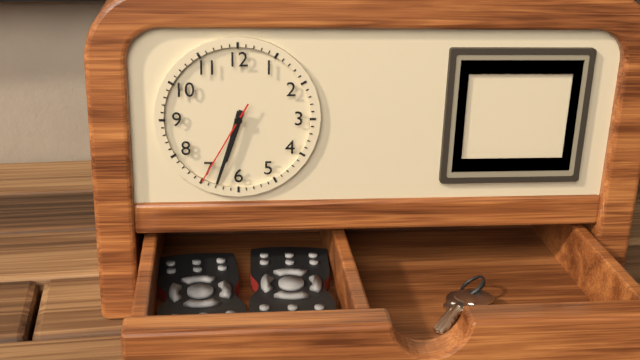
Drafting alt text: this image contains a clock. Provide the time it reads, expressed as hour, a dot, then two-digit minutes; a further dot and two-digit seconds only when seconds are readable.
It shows 6.33.35
